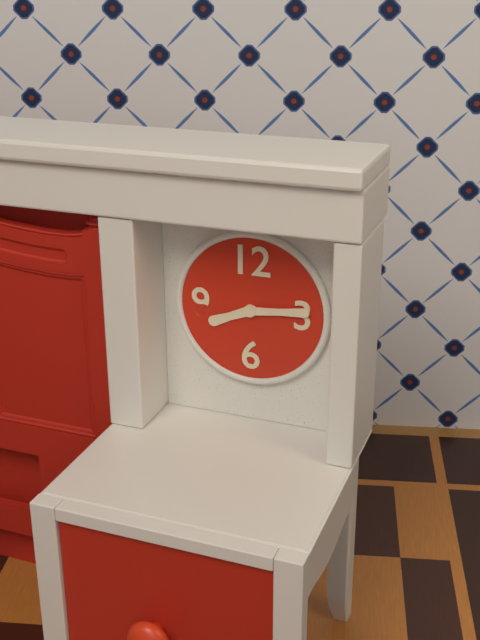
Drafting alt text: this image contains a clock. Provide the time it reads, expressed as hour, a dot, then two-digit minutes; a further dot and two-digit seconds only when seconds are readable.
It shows 8.14
